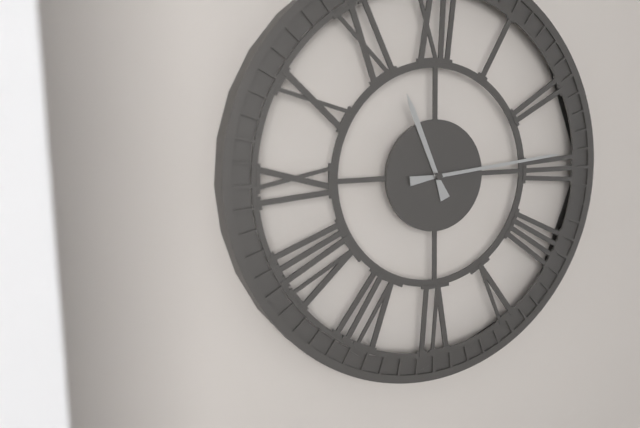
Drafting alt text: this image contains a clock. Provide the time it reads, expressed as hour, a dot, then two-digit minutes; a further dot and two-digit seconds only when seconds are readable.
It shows 11.14
